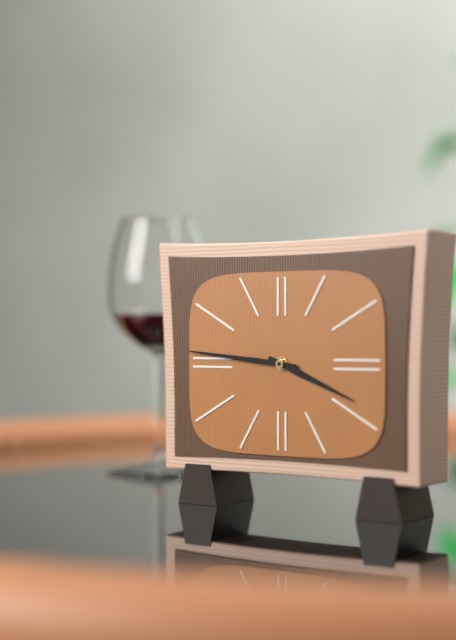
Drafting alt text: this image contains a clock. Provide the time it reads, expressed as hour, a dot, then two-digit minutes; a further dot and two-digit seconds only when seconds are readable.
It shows 3.46
